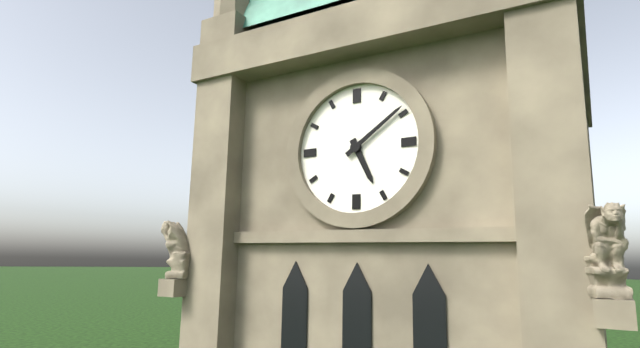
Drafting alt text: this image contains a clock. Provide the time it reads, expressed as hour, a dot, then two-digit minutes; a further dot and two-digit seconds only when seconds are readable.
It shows 5.09
